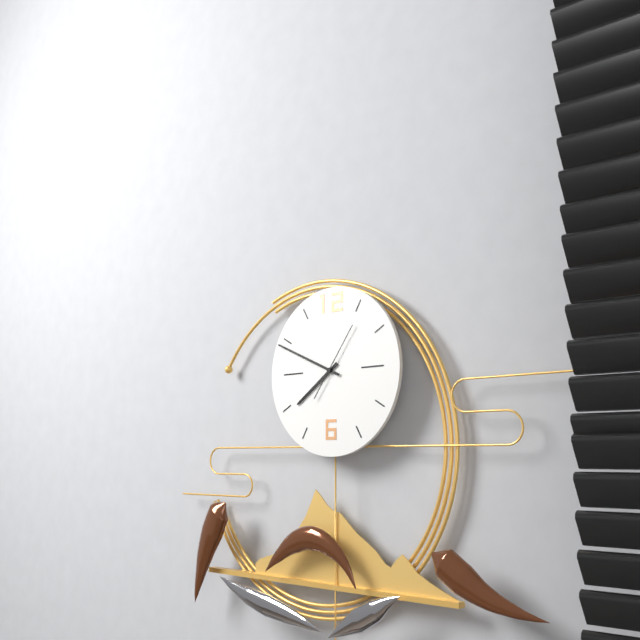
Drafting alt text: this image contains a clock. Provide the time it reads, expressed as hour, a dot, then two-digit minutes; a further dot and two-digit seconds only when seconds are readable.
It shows 7.49.06
